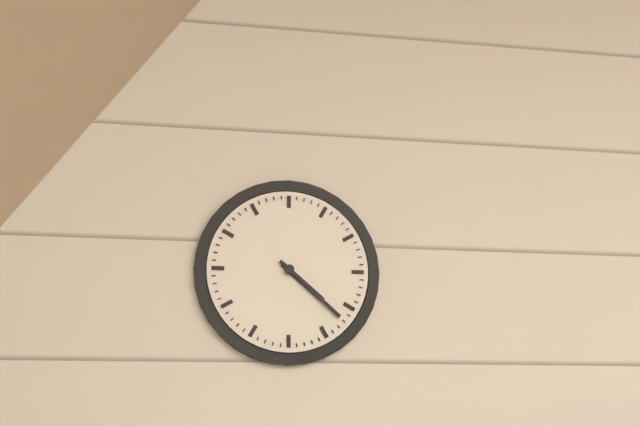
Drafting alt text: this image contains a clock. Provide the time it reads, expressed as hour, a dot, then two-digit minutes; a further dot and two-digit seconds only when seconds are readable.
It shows 4.22
